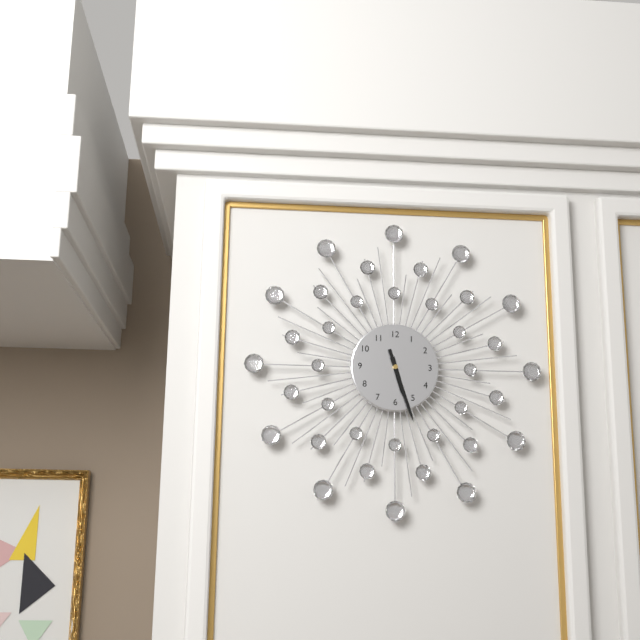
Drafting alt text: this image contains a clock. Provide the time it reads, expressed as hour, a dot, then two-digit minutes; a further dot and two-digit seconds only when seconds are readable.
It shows 5.27
